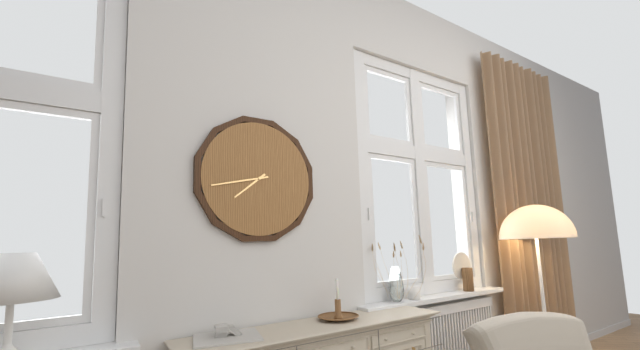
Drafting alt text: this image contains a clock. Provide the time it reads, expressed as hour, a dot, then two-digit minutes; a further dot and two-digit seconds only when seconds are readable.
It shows 7.43
